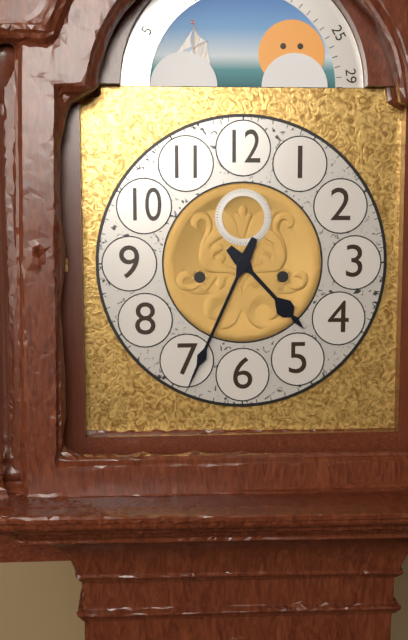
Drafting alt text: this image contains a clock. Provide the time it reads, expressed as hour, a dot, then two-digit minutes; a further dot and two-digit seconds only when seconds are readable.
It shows 4.34
